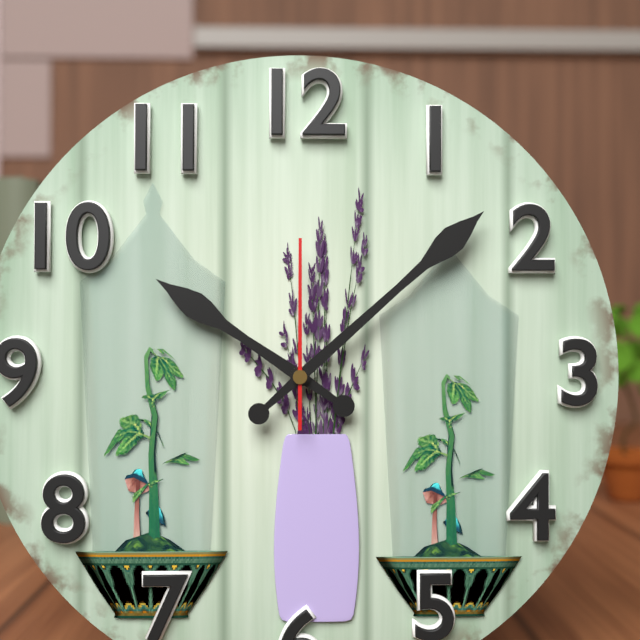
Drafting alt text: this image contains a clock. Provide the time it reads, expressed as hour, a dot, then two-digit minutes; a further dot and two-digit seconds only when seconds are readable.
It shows 10.08.00
